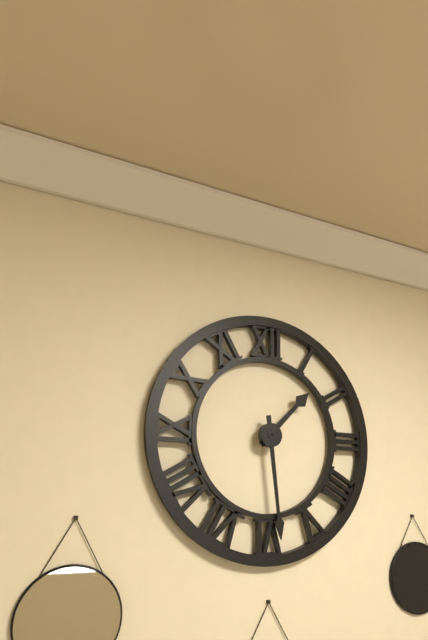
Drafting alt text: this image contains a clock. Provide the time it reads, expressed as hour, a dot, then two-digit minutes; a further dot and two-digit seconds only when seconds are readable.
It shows 1.29
